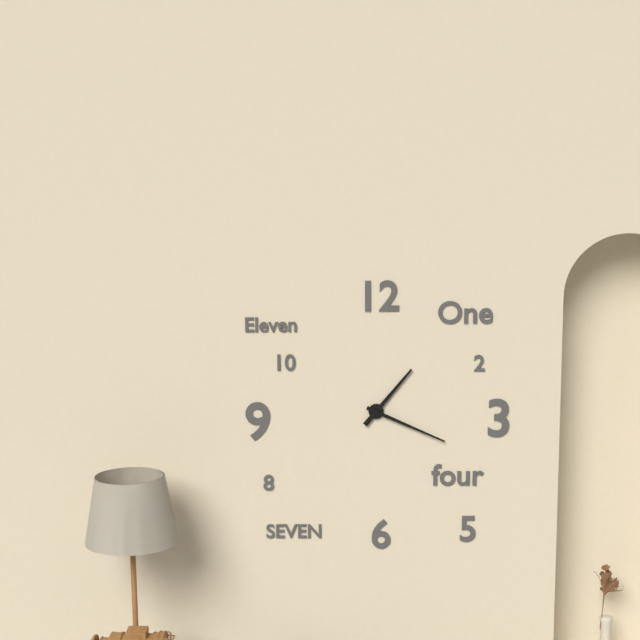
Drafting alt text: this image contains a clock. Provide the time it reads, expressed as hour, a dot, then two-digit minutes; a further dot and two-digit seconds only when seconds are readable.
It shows 1.19
